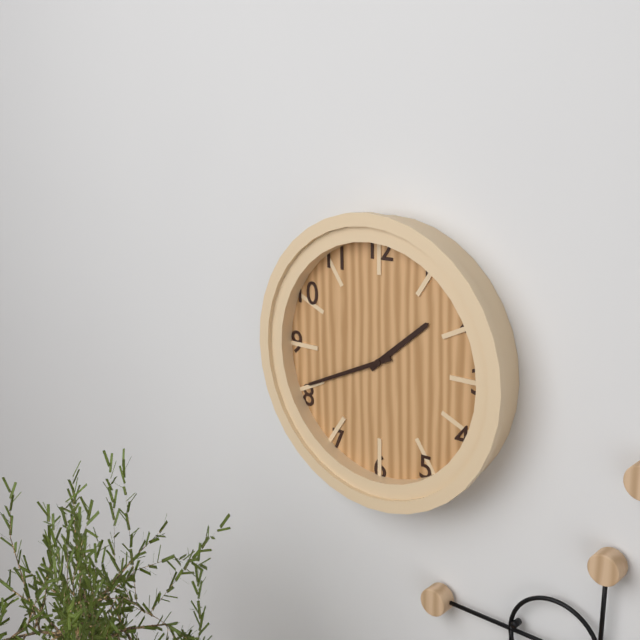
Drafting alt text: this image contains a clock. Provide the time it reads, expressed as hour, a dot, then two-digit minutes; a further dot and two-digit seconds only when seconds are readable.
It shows 1.41
